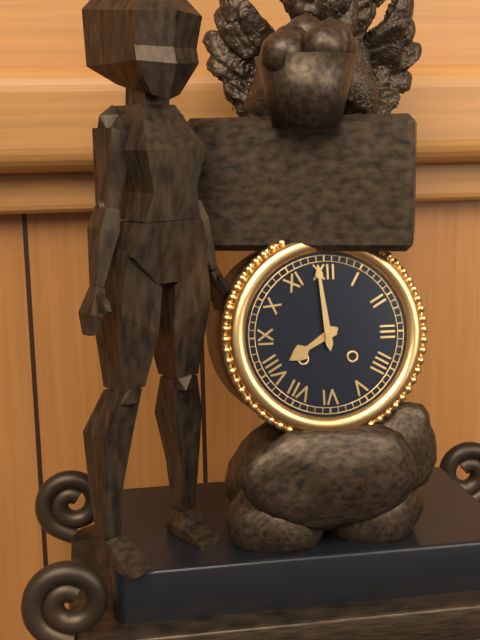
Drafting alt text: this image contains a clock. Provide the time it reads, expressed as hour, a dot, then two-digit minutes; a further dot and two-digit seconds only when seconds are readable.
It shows 7.59
